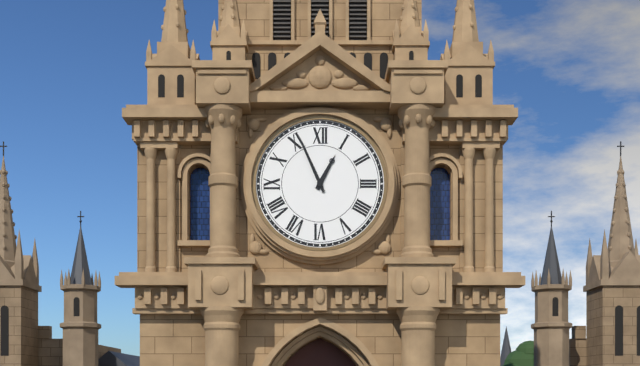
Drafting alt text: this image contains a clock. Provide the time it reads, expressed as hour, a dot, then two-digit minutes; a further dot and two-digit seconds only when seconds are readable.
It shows 12.56
